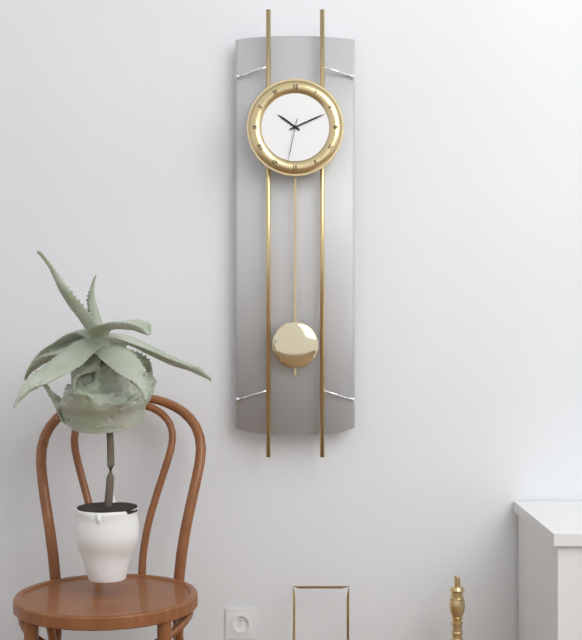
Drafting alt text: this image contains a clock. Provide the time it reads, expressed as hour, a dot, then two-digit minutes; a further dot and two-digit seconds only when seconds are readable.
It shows 10.11
